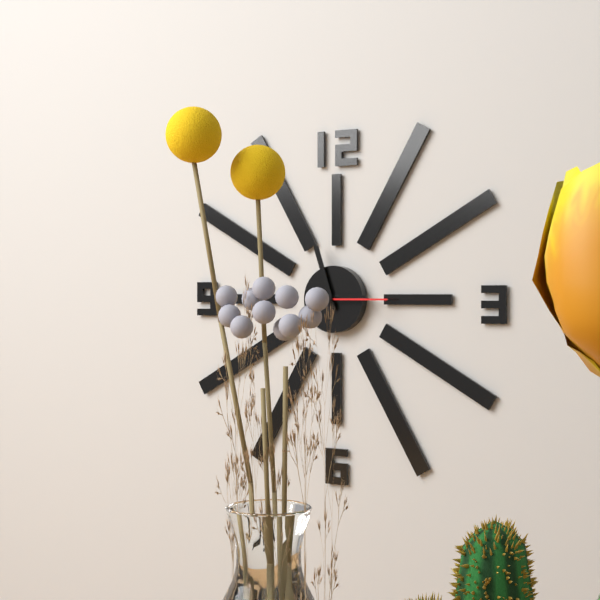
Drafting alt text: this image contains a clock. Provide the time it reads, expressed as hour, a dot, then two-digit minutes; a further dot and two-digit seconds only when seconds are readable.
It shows 2.57.15
